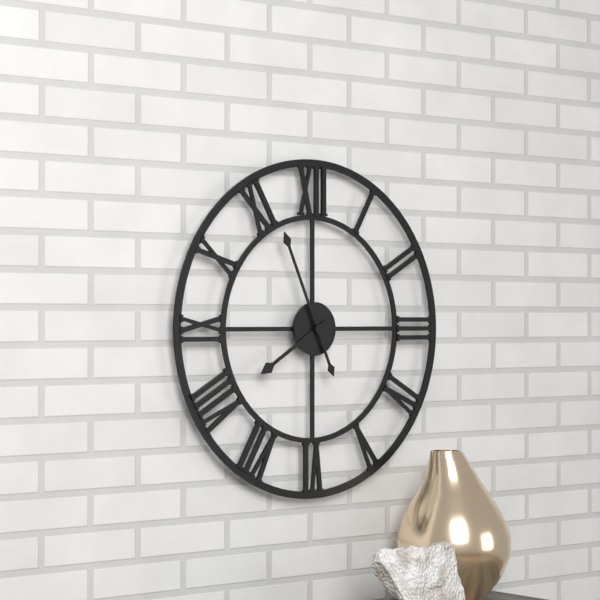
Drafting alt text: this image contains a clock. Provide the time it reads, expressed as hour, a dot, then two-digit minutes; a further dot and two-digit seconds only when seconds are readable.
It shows 7.56
